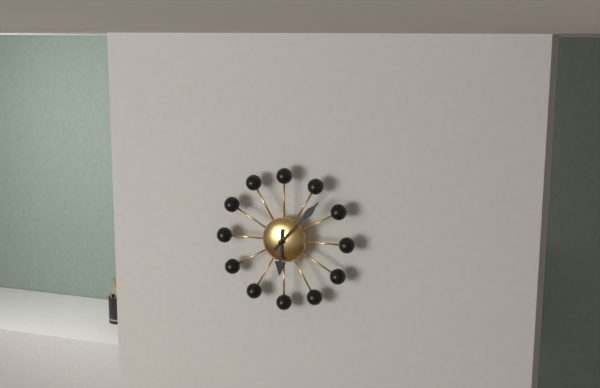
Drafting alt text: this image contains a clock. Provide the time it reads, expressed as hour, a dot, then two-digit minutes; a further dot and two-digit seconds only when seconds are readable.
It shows 6.07
